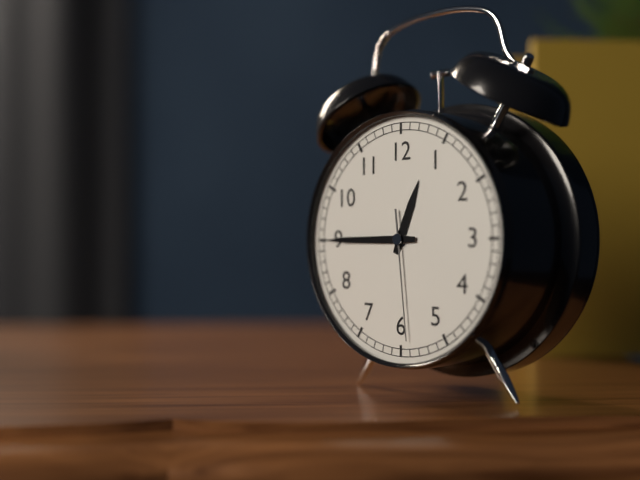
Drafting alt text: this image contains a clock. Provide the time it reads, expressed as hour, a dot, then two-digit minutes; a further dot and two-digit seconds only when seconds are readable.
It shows 12.45.29
